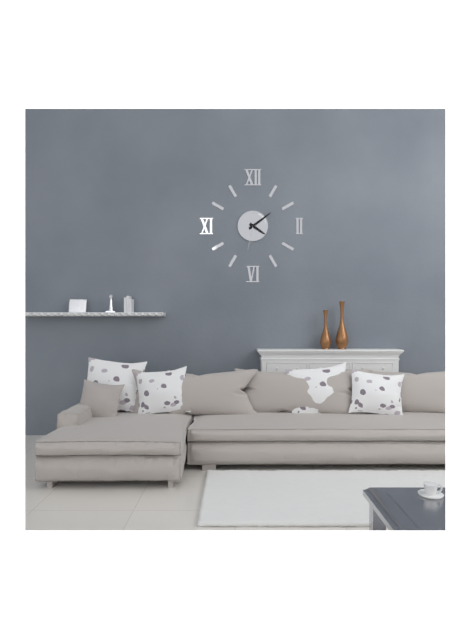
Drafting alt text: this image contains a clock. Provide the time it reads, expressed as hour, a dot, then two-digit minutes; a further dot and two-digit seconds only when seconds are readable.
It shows 4.09
